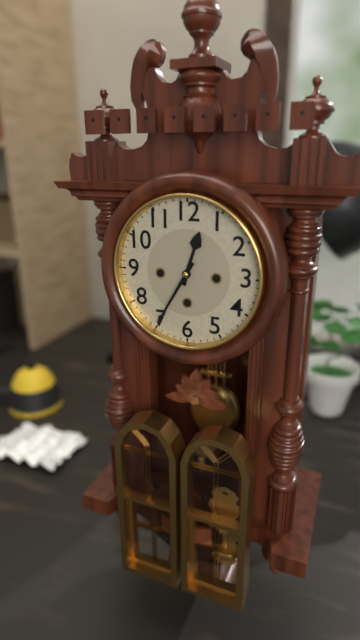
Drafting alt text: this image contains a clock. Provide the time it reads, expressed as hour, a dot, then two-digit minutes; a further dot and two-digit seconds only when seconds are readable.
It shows 12.35
